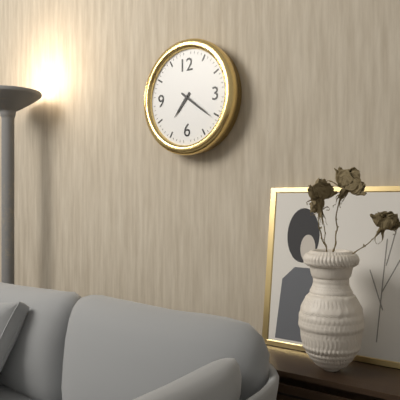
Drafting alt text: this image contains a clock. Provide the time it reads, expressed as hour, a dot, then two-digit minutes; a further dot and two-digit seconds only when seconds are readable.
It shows 7.21
